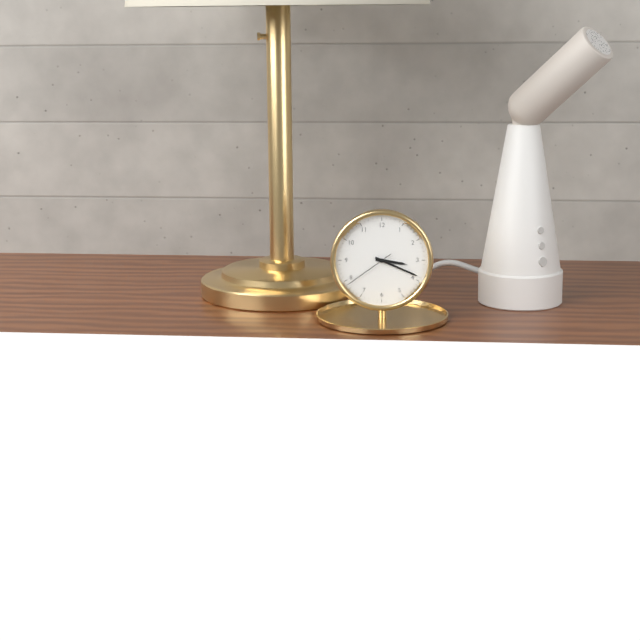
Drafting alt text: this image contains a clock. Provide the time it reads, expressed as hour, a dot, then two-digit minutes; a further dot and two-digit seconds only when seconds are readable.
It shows 3.19.39
